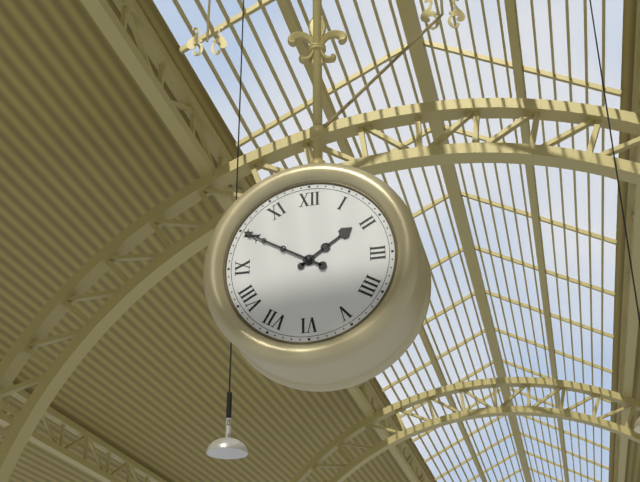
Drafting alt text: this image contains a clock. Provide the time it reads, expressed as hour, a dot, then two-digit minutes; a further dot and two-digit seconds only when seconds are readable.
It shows 1.50
